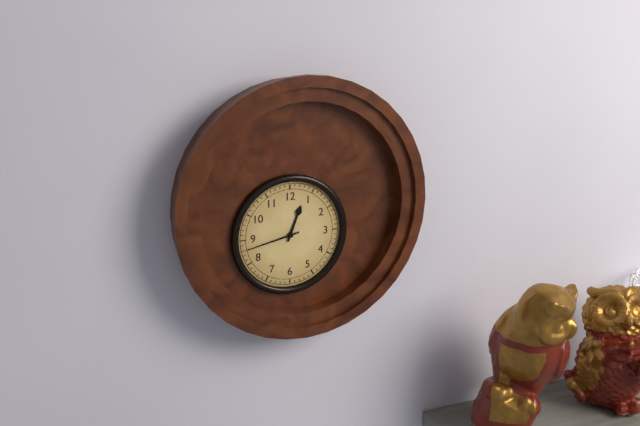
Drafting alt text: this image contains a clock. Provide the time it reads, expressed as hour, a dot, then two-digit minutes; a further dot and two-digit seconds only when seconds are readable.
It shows 12.43
